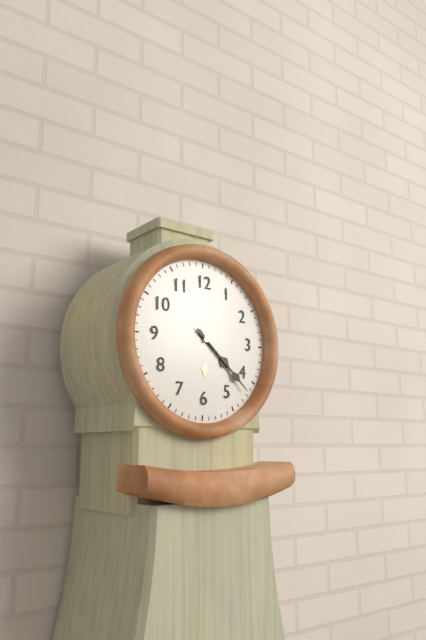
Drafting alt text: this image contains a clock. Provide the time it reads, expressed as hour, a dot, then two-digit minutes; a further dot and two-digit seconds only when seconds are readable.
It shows 4.22
